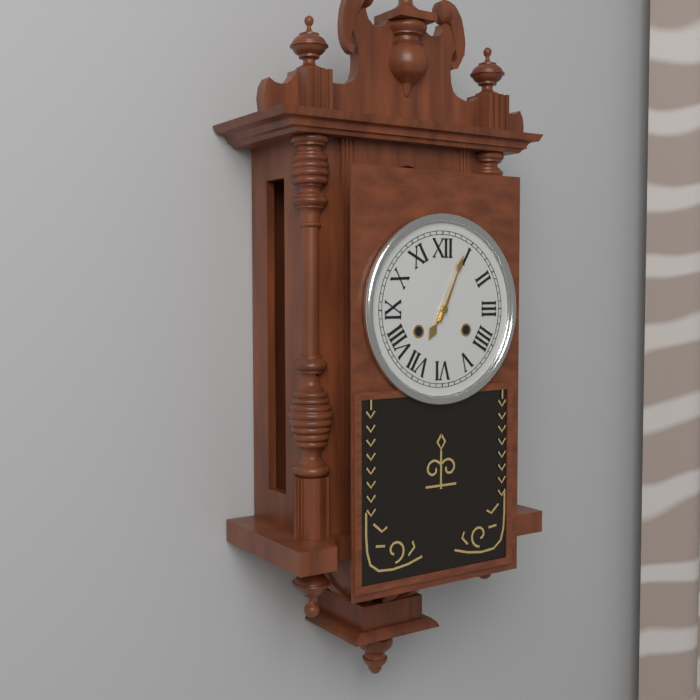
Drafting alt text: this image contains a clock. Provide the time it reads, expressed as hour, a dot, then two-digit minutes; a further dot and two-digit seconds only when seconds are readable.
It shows 7.04
